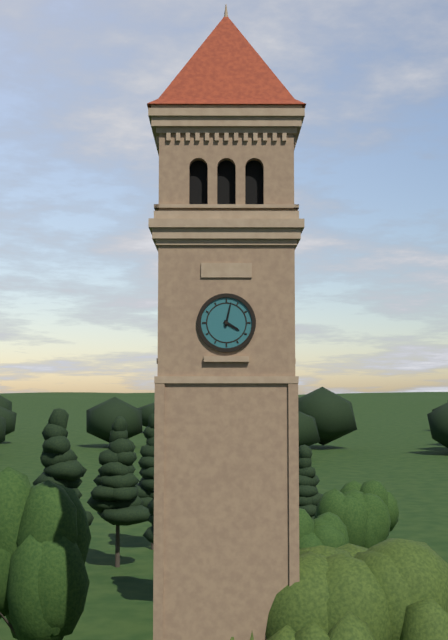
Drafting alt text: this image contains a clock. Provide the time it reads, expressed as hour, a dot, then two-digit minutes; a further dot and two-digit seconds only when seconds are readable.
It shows 4.02
